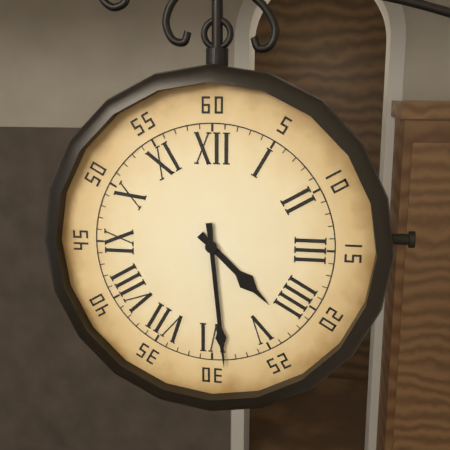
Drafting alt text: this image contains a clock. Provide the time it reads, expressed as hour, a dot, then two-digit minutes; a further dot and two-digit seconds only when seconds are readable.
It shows 4.29
